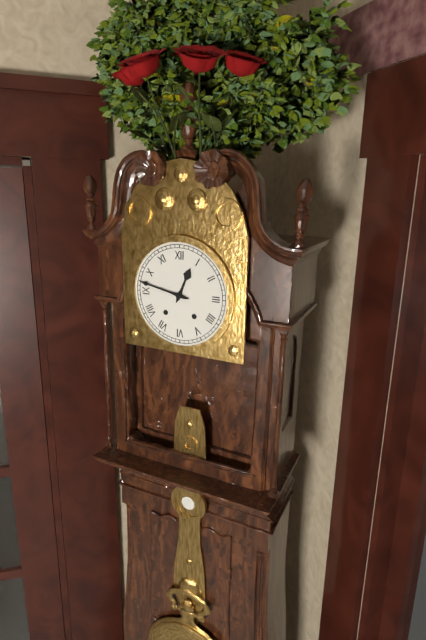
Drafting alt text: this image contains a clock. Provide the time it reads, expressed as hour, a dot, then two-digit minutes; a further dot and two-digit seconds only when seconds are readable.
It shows 12.47
